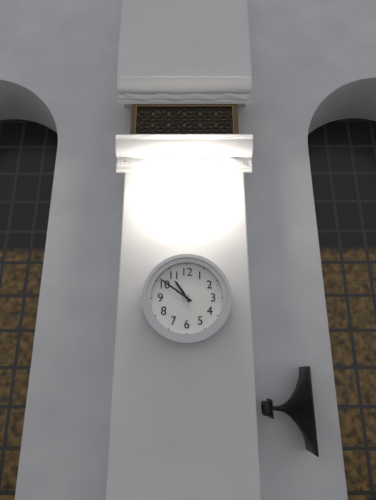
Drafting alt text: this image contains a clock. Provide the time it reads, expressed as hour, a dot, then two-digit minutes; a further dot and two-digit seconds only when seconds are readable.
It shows 10.51
